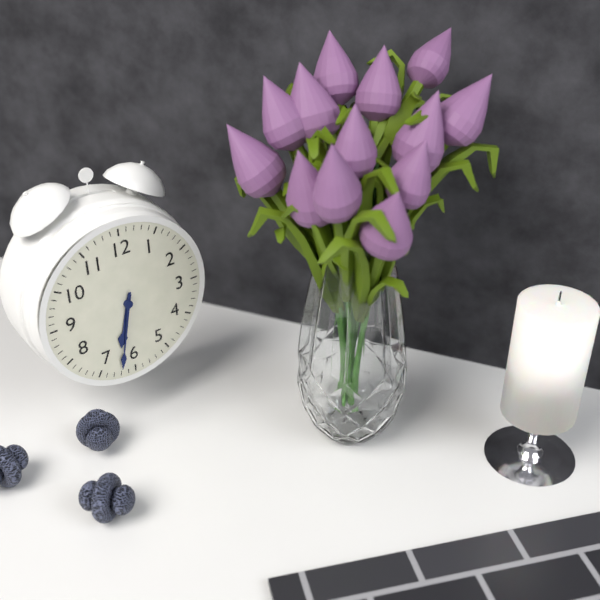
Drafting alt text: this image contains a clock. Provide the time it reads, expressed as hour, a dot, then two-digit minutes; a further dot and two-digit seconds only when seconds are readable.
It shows 6.32
